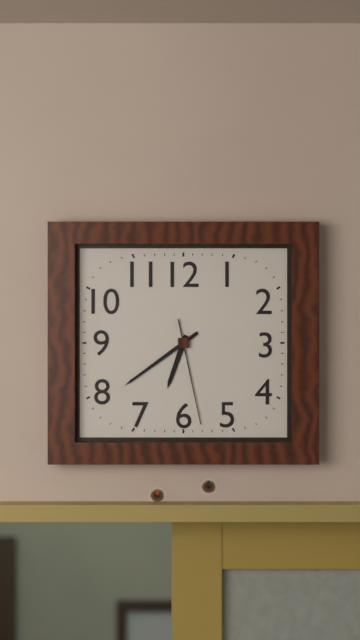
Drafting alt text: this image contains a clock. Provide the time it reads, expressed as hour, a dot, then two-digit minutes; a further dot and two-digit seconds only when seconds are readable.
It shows 6.39.28
